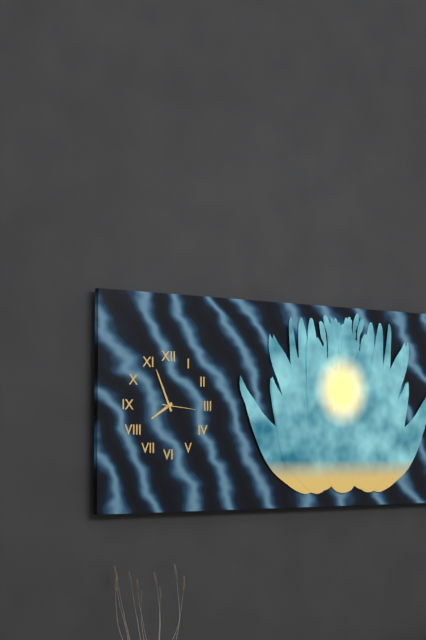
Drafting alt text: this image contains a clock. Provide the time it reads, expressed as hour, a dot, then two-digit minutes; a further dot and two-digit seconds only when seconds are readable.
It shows 7.56
